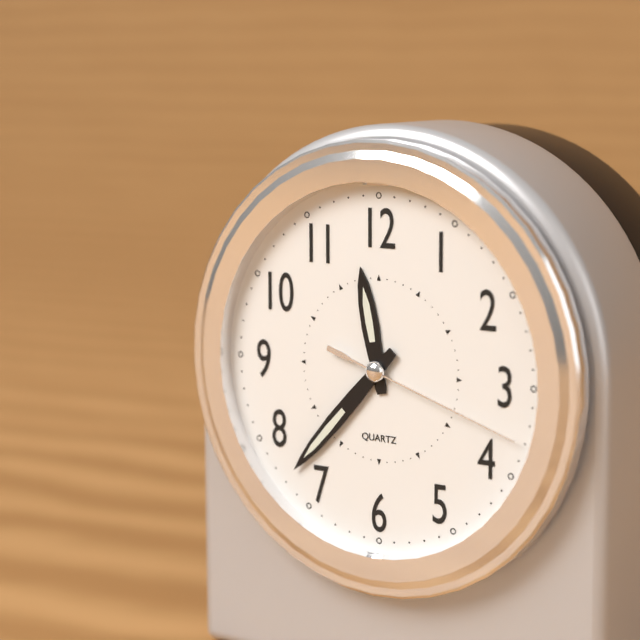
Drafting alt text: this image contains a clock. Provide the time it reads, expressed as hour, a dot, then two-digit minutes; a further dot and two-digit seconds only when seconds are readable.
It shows 11.37.18
